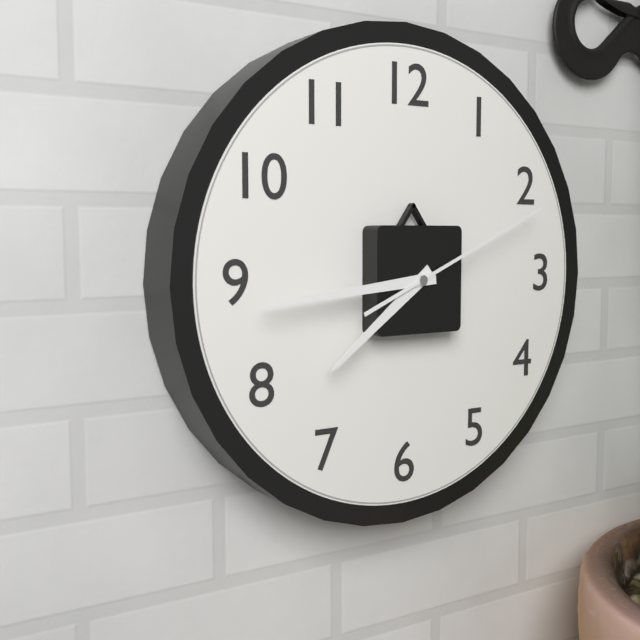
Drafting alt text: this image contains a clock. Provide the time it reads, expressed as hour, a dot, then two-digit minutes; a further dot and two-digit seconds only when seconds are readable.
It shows 7.44.11
